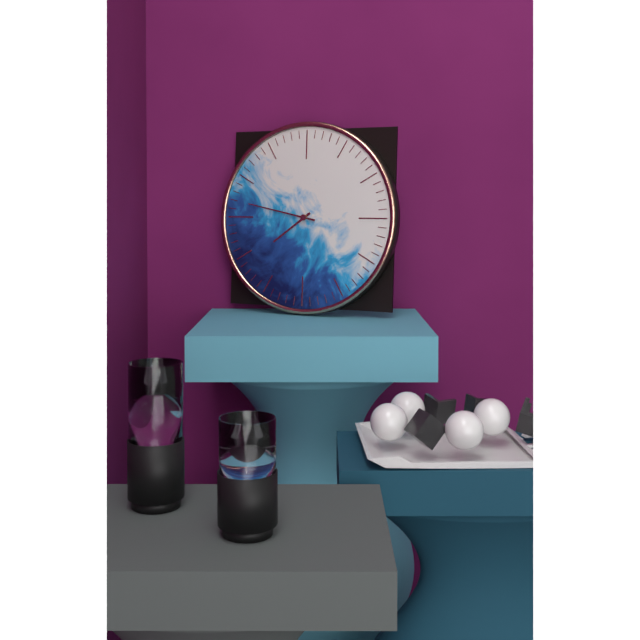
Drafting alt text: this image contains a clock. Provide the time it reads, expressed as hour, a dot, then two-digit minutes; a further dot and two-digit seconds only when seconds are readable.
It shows 7.47
